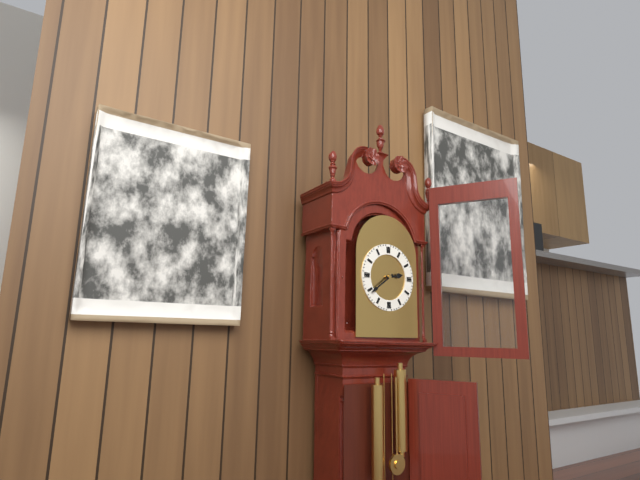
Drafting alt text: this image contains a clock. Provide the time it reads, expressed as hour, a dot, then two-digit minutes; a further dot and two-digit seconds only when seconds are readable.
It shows 2.39
